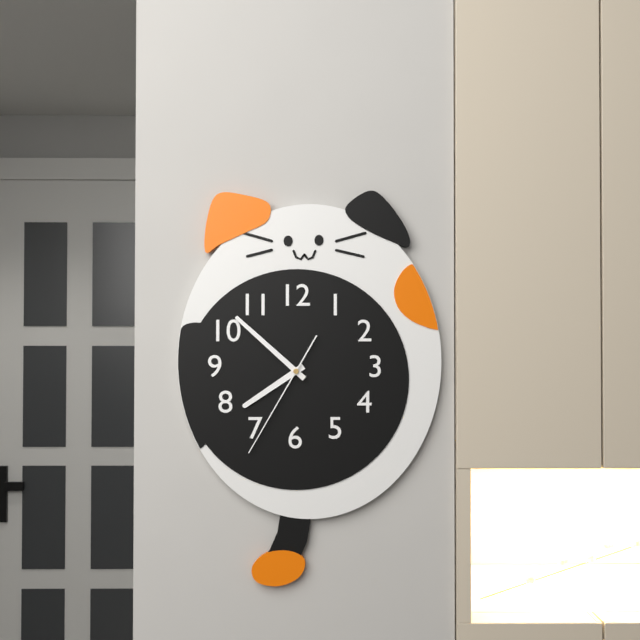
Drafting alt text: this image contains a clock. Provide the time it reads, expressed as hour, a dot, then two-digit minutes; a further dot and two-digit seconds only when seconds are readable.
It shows 7.52.35
